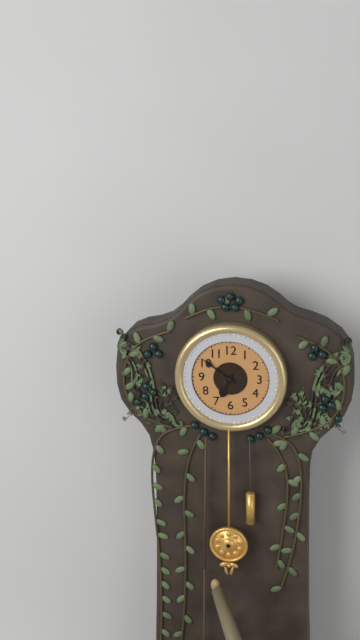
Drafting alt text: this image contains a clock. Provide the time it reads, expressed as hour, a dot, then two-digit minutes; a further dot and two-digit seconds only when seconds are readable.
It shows 6.51
